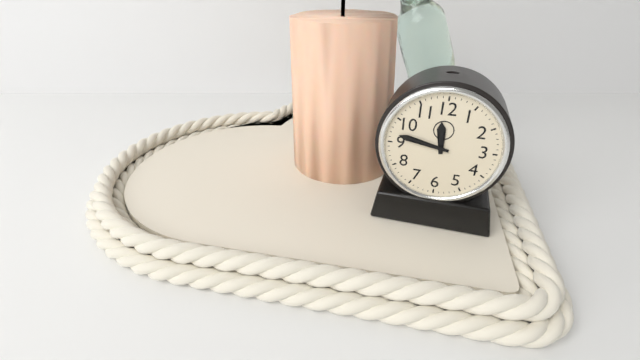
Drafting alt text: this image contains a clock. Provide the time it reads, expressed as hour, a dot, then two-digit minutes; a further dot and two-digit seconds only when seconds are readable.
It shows 11.47
